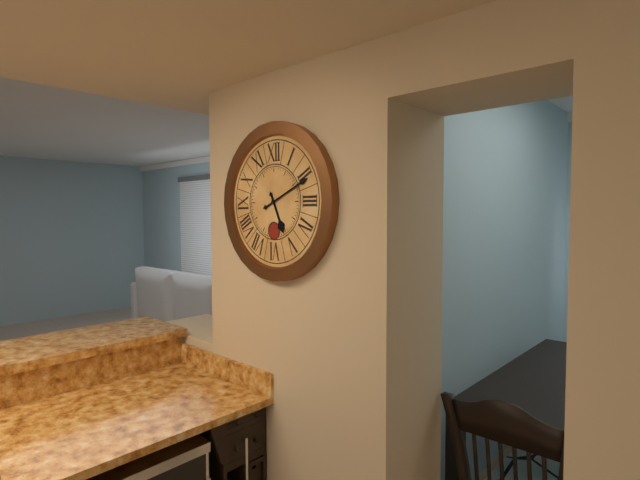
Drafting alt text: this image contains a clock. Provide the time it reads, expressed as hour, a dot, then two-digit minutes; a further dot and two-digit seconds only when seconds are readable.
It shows 5.11
